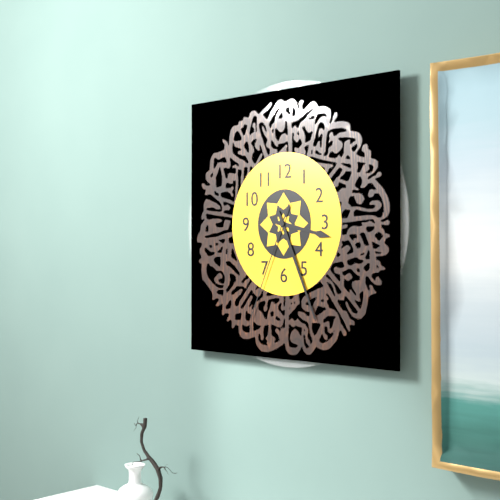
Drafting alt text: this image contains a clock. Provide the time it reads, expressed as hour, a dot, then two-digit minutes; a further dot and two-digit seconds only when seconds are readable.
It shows 3.26.34
